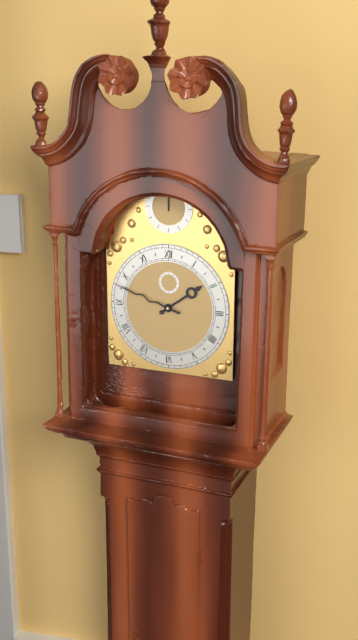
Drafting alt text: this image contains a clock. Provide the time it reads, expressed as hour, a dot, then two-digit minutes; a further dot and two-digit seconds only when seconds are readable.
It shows 1.48
